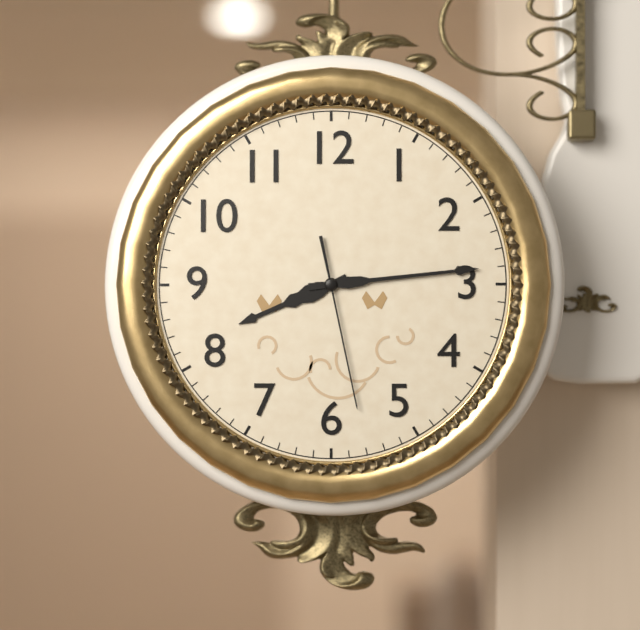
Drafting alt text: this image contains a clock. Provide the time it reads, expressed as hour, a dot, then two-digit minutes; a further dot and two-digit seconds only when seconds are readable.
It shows 8.14.28
